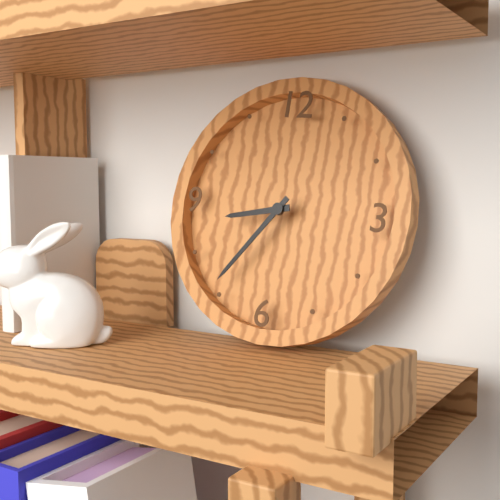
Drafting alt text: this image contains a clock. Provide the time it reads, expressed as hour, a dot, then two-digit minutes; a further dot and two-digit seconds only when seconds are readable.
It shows 8.36
